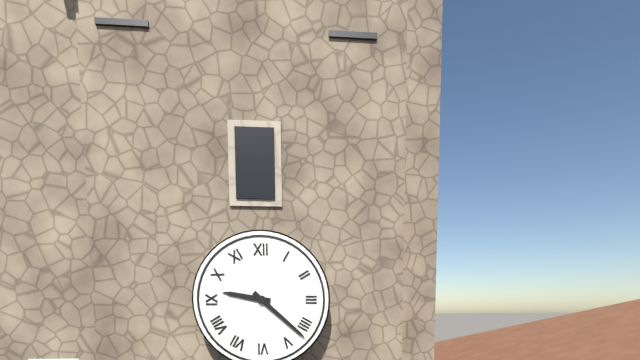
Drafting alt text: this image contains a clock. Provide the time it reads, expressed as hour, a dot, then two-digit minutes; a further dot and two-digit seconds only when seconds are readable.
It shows 9.22
